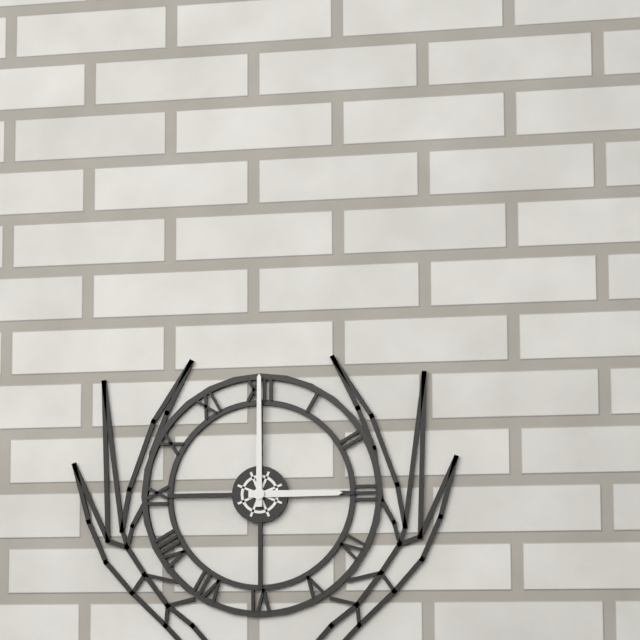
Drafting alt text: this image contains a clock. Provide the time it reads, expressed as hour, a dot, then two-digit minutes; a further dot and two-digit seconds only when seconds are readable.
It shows 3.00
